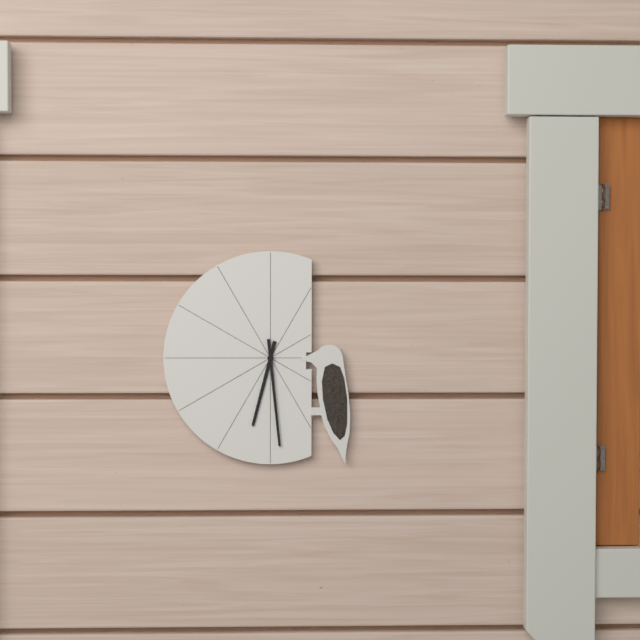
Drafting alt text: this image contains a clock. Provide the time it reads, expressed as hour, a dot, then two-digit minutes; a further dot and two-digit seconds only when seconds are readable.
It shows 6.29
